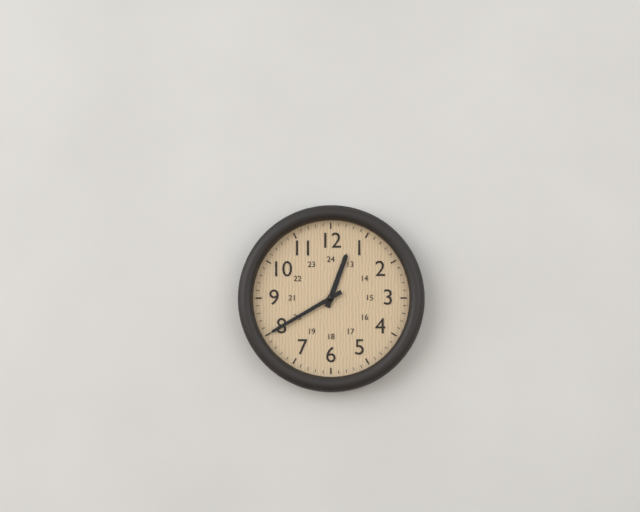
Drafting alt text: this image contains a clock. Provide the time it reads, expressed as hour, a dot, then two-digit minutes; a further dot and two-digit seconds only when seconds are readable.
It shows 12.40
